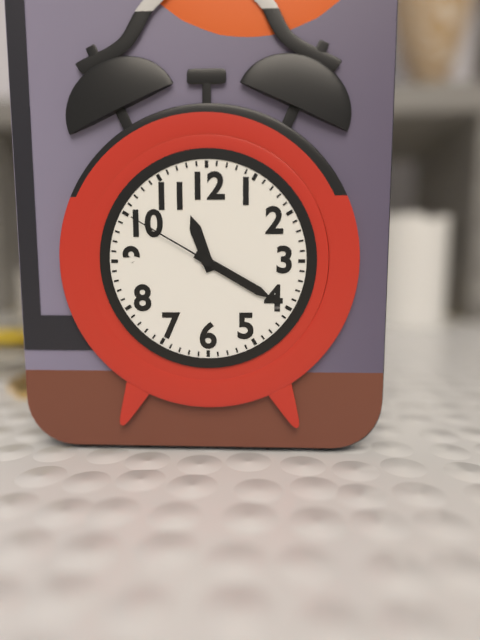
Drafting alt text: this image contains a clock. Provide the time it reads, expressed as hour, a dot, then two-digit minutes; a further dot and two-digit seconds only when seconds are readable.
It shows 11.20.50
